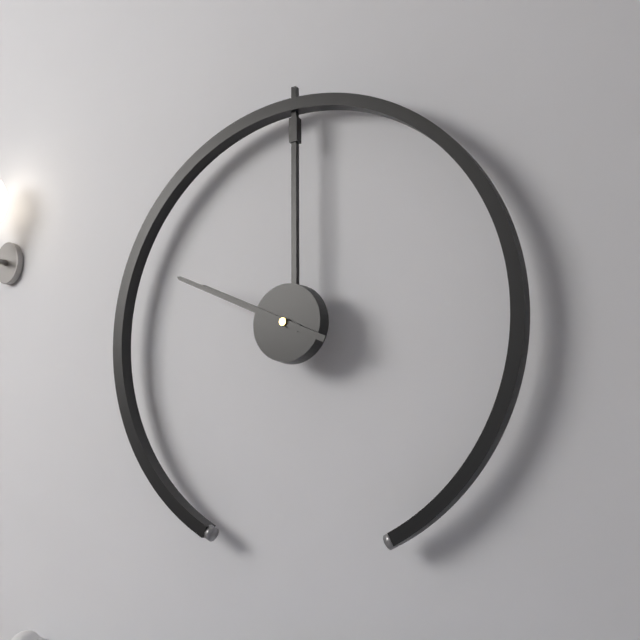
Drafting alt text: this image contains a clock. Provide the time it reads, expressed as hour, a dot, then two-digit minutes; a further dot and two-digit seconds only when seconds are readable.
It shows 9.49
